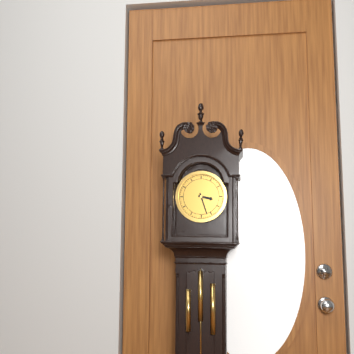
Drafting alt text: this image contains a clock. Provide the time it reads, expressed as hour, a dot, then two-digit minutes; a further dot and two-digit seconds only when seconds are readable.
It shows 3.27
